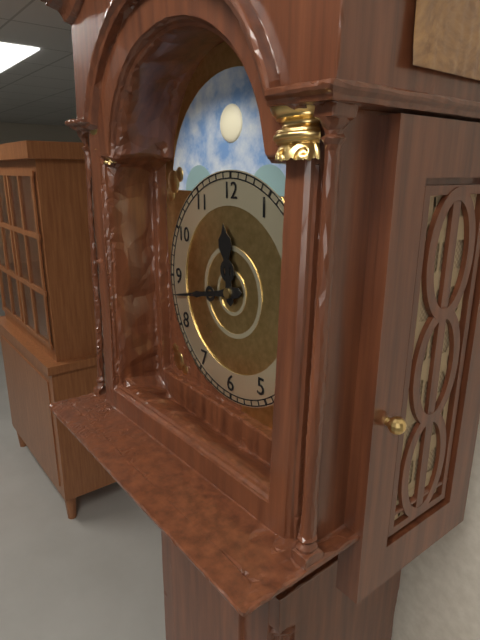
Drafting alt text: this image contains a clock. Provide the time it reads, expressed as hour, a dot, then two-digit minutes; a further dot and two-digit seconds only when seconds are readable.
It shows 11.43
